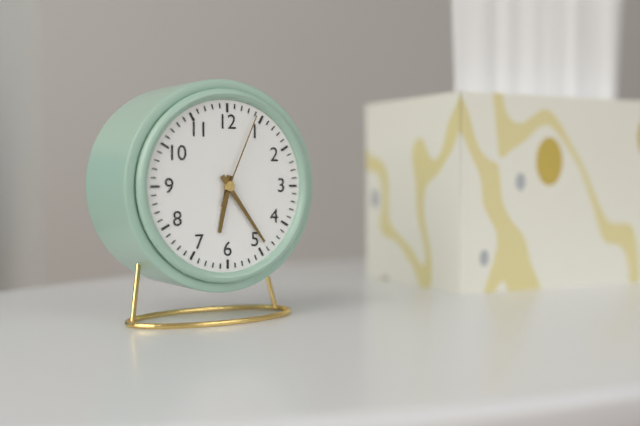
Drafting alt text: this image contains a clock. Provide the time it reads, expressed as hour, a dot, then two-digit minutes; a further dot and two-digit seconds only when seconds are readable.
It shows 6.24.04
